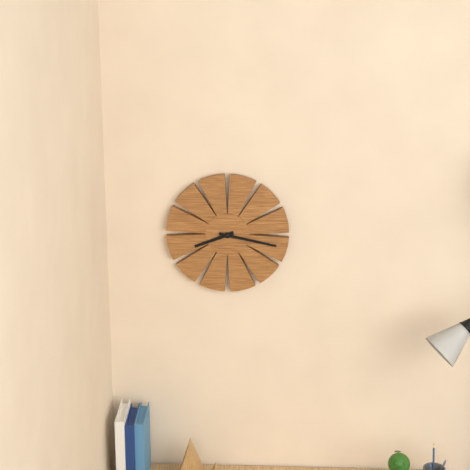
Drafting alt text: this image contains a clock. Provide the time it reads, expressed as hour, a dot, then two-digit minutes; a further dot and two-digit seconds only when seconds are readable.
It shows 8.17
